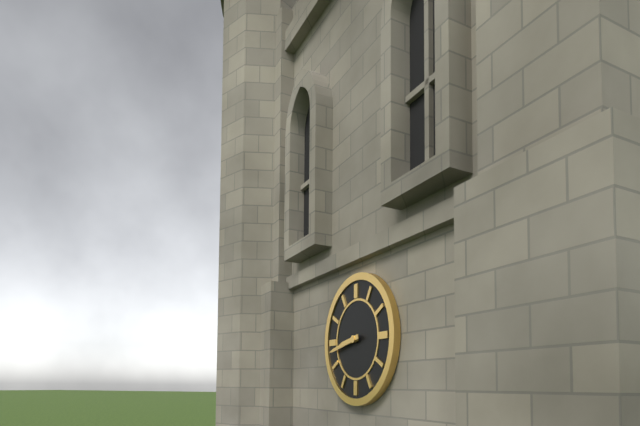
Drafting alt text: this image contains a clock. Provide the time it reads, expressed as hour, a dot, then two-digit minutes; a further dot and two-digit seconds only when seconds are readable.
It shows 8.43
